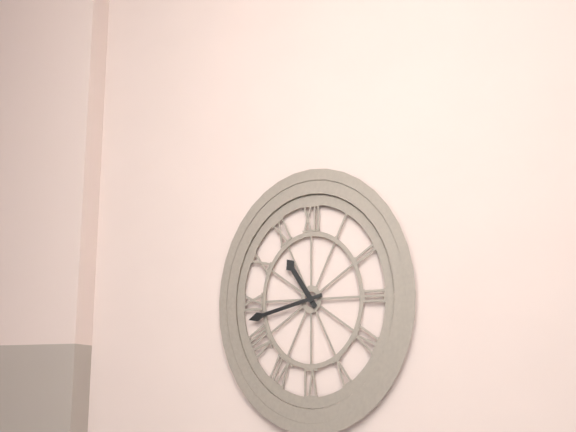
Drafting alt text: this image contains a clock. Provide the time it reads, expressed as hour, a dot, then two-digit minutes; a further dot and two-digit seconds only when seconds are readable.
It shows 10.43
